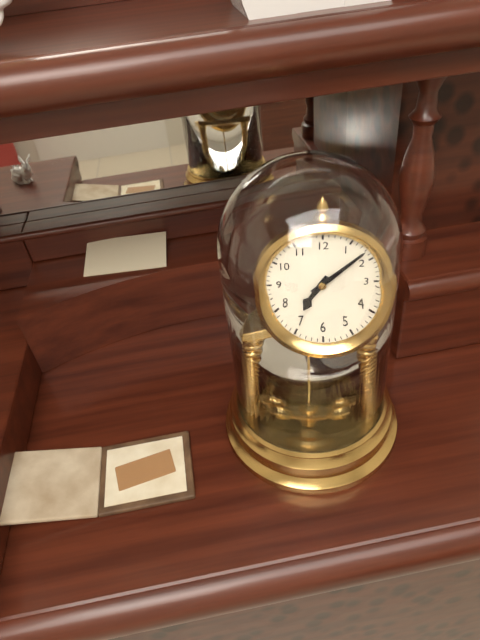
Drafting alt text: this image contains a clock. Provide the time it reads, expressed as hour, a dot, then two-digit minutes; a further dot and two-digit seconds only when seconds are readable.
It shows 7.08
